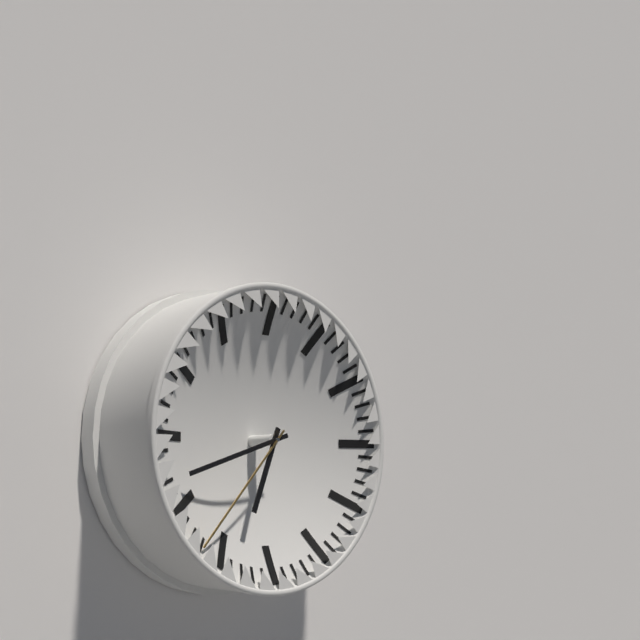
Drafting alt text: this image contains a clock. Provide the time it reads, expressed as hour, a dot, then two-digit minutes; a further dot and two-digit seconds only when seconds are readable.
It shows 6.42.37
